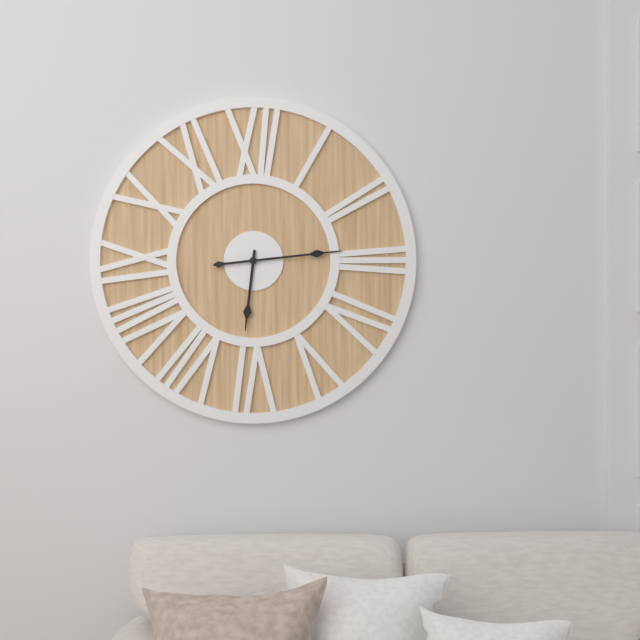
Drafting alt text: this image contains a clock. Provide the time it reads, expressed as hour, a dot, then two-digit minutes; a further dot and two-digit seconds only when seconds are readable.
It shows 6.14
